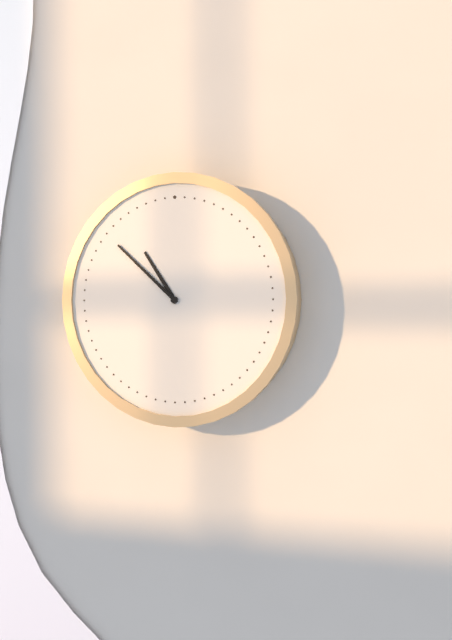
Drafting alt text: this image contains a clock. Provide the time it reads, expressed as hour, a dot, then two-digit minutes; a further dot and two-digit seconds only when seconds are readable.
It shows 10.52
